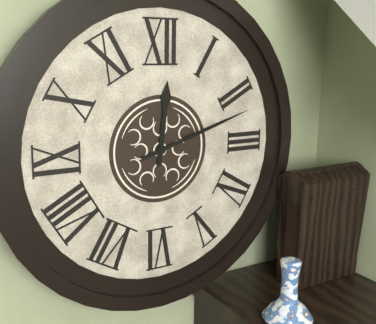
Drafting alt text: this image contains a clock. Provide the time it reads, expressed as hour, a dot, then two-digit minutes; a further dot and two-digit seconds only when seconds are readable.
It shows 12.12
